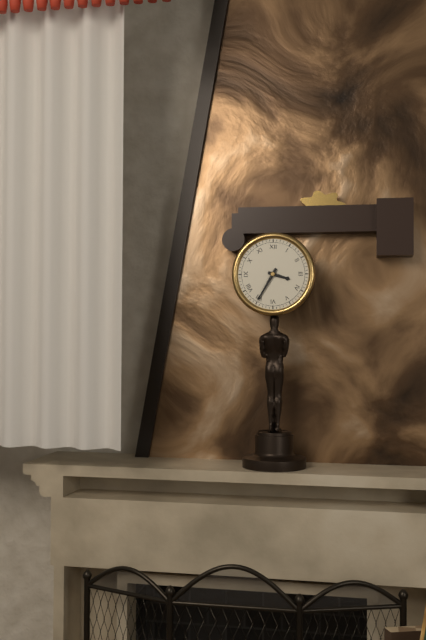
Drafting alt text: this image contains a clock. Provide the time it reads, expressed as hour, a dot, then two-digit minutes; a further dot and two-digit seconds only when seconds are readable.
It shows 3.35
